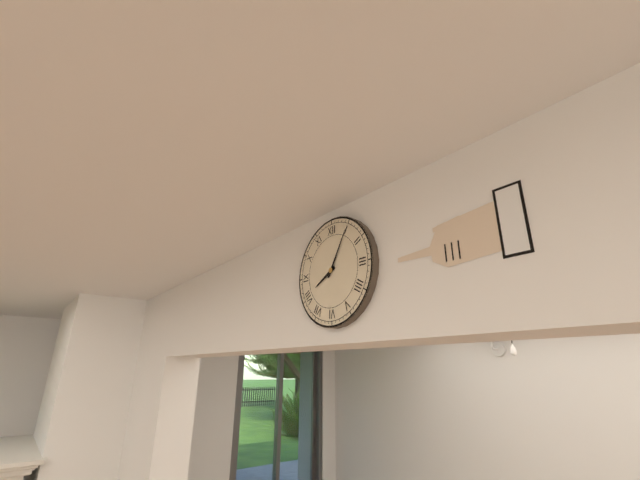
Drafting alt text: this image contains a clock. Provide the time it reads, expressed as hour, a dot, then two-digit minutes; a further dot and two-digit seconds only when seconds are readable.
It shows 8.05
